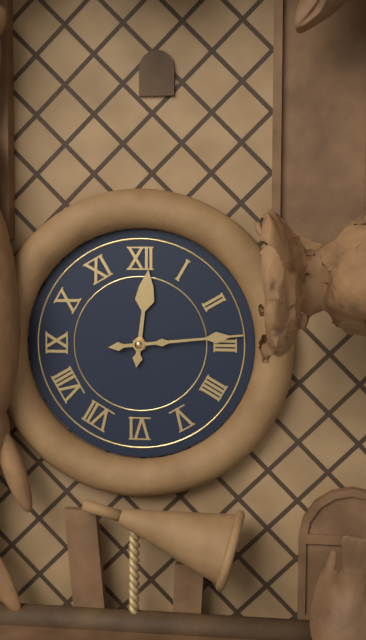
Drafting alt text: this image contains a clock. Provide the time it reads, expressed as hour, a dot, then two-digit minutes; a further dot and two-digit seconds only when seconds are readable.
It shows 12.14
